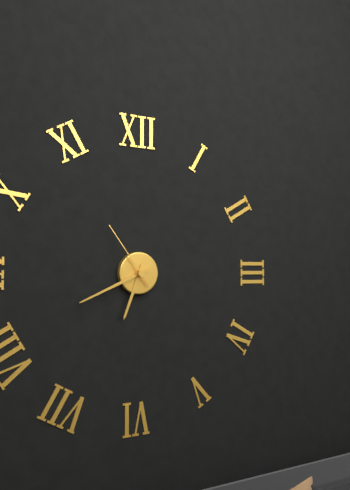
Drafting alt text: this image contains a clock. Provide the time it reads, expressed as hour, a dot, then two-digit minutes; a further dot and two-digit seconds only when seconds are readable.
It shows 6.41.54
